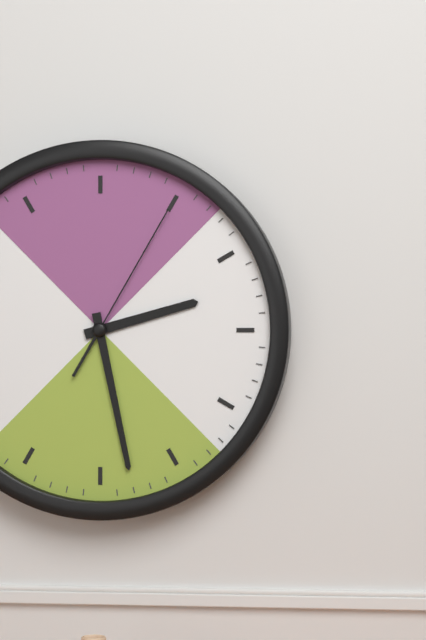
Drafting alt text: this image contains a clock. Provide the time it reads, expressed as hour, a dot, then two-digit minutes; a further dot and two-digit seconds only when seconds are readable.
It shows 2.28.05
